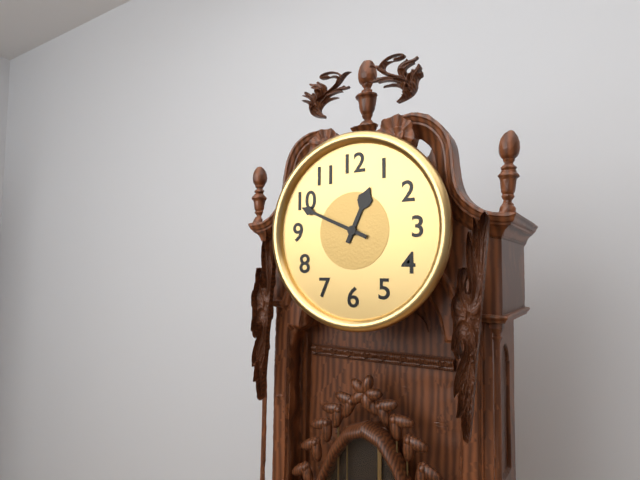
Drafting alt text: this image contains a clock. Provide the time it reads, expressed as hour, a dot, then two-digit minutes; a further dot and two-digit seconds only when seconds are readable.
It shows 12.49
